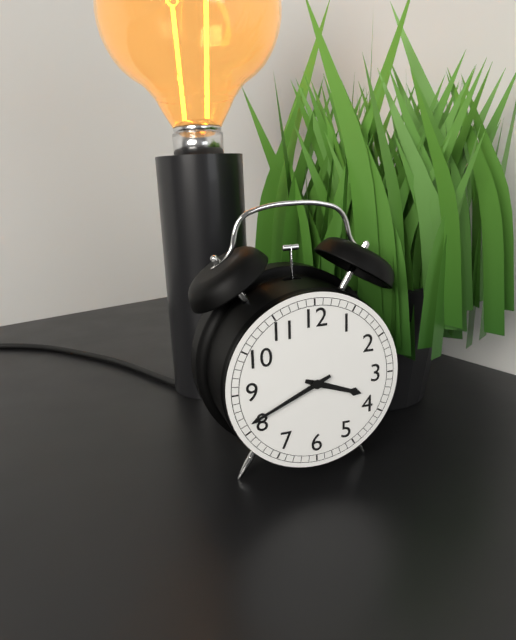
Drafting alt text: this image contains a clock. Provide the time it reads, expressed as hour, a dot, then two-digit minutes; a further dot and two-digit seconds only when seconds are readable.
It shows 3.41
